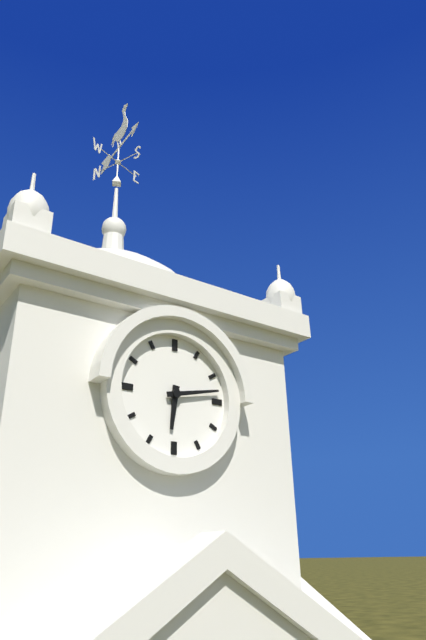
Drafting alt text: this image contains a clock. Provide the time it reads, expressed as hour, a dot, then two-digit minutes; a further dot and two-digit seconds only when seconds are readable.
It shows 6.13
